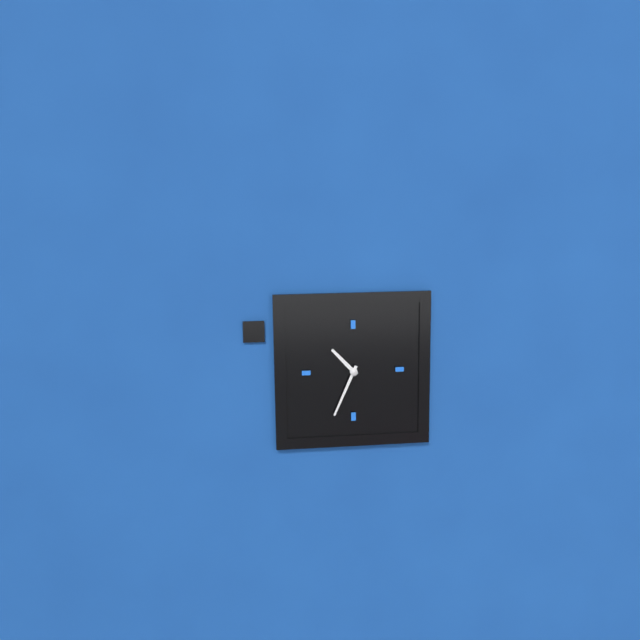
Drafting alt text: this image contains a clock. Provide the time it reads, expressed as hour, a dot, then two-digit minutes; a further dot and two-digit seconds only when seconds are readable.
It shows 10.34
